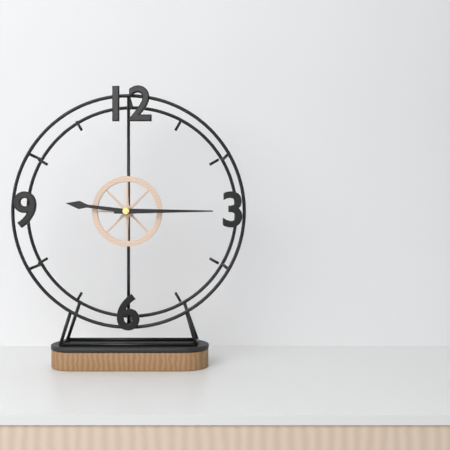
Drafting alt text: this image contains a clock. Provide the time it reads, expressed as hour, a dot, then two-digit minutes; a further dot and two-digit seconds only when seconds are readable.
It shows 9.15
